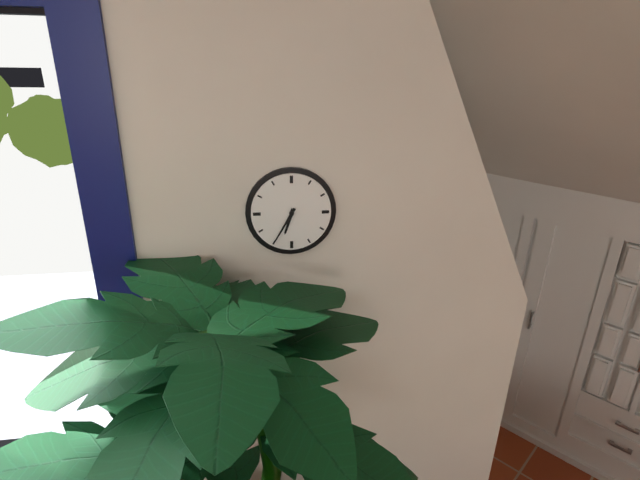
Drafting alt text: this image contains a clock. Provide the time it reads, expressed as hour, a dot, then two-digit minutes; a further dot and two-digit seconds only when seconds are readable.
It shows 6.35
